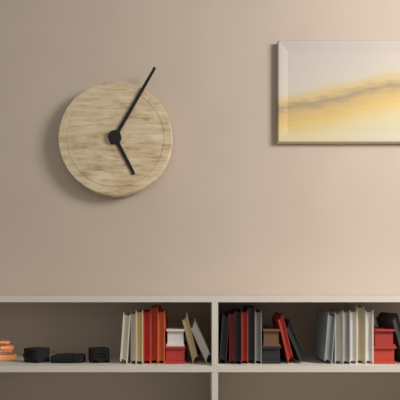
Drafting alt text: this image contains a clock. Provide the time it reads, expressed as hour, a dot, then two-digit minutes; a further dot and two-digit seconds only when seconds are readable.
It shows 5.05
